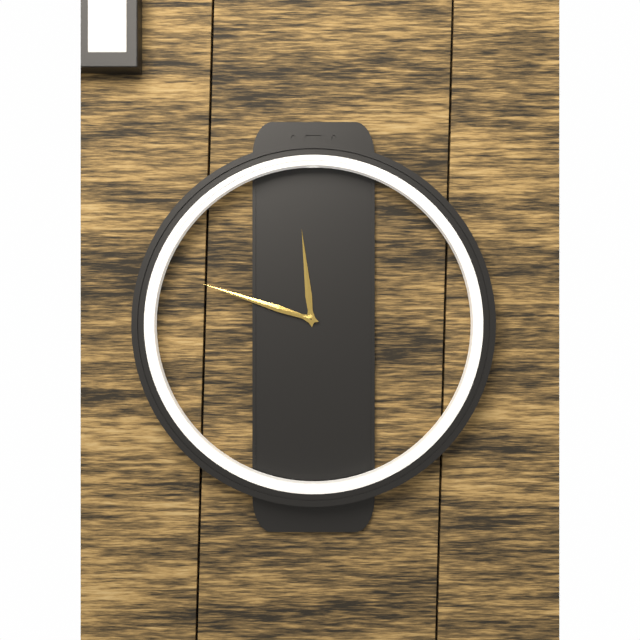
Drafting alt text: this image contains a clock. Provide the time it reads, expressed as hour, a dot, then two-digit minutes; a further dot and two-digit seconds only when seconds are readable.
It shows 11.48
